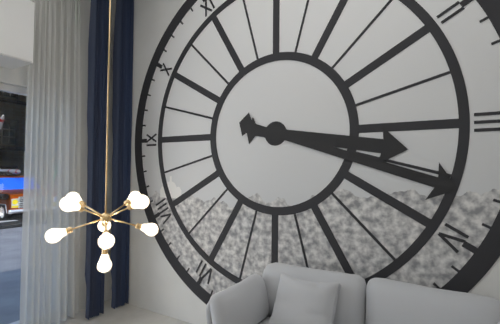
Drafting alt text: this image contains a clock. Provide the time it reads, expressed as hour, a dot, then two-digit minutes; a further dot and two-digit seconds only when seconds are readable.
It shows 3.18
